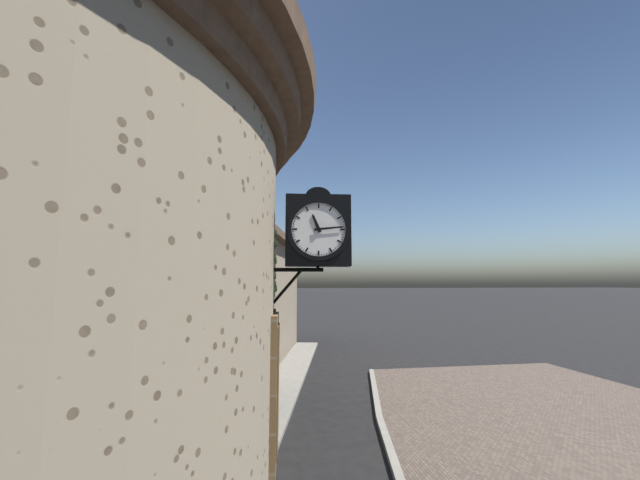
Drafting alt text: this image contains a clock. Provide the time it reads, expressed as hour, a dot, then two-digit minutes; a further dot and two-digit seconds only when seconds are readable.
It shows 11.14
